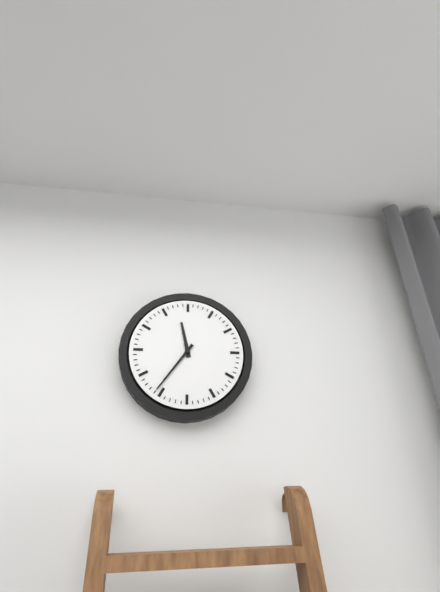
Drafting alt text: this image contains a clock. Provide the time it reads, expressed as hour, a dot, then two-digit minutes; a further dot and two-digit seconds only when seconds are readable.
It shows 11.36
